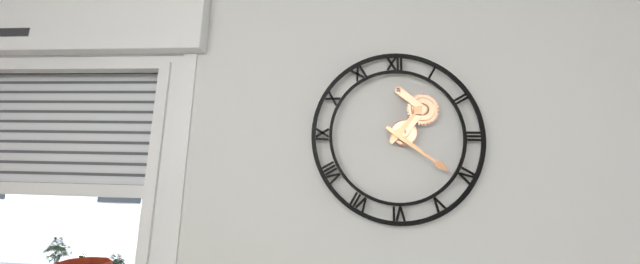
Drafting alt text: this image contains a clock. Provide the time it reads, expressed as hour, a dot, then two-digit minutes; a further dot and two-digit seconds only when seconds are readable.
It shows 1.21
